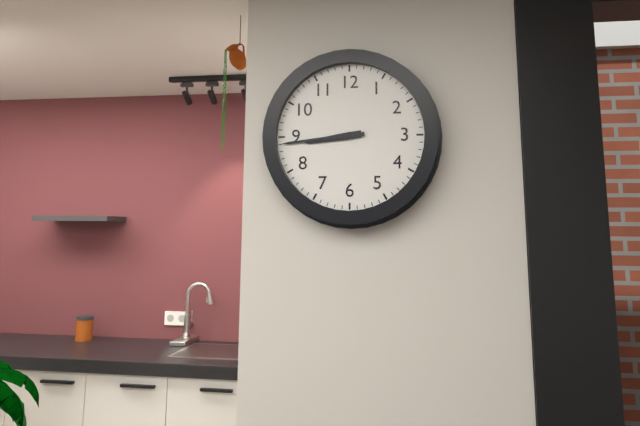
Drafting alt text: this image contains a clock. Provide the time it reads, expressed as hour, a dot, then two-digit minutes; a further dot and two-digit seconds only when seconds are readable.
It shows 8.44
